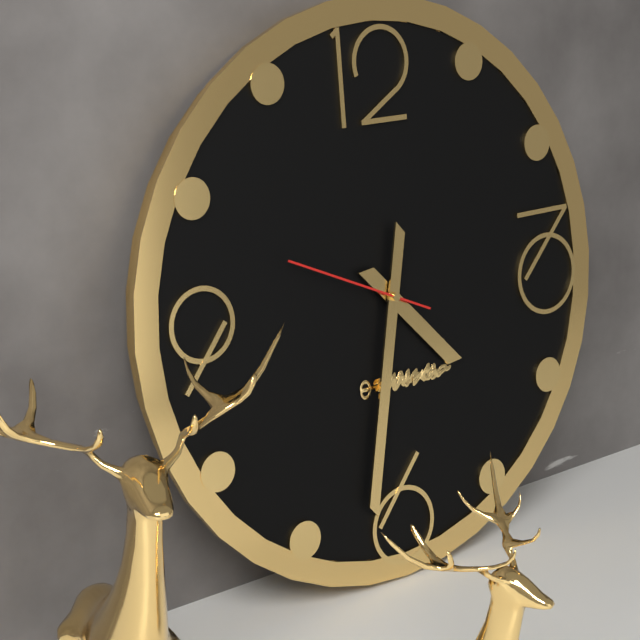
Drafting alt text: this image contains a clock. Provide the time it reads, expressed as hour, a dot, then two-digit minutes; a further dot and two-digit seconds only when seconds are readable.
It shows 4.32.49
